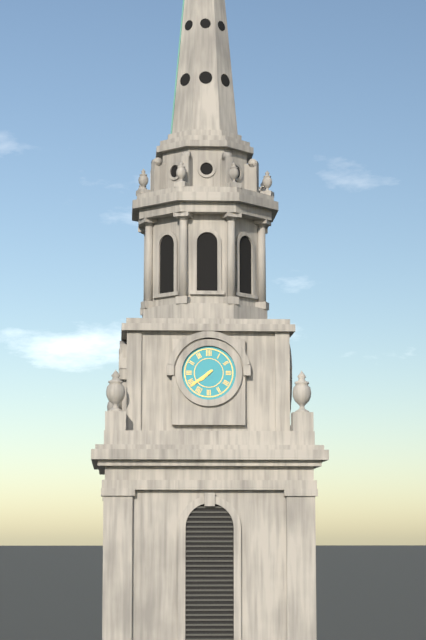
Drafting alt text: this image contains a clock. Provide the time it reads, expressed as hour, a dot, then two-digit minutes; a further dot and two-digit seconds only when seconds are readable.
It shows 7.39
